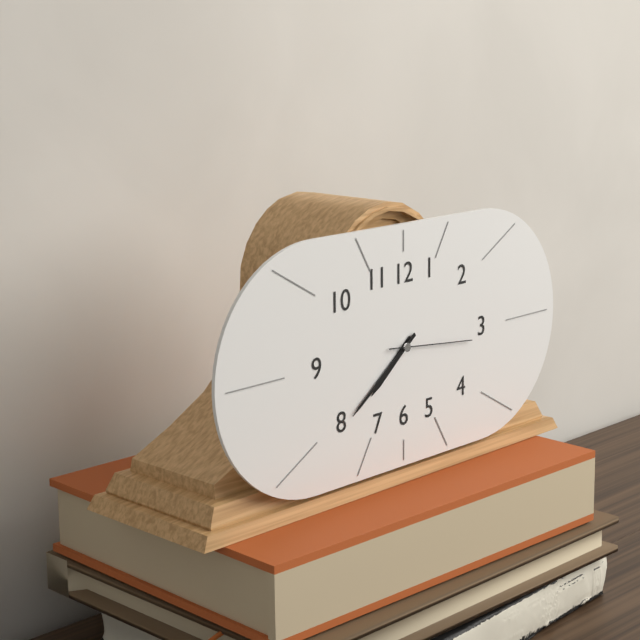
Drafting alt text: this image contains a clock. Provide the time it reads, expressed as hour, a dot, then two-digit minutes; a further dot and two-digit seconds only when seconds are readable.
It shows 7.39.16
